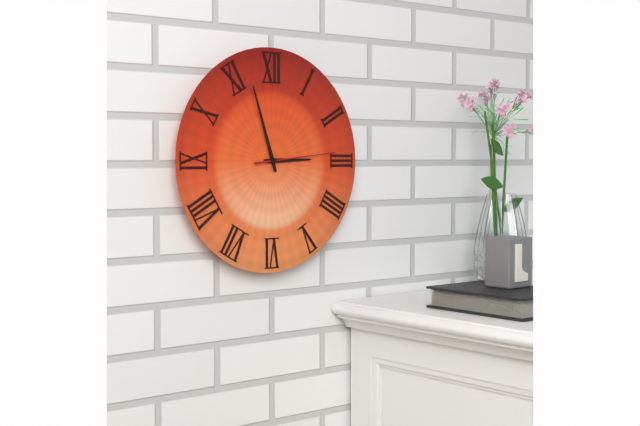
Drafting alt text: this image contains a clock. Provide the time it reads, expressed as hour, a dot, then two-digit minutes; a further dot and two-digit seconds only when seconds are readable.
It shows 2.57.14
